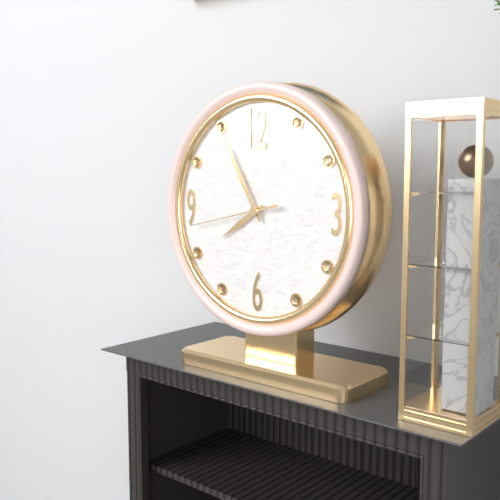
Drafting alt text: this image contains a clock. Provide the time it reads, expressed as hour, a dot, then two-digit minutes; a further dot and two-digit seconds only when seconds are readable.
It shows 7.55.43
